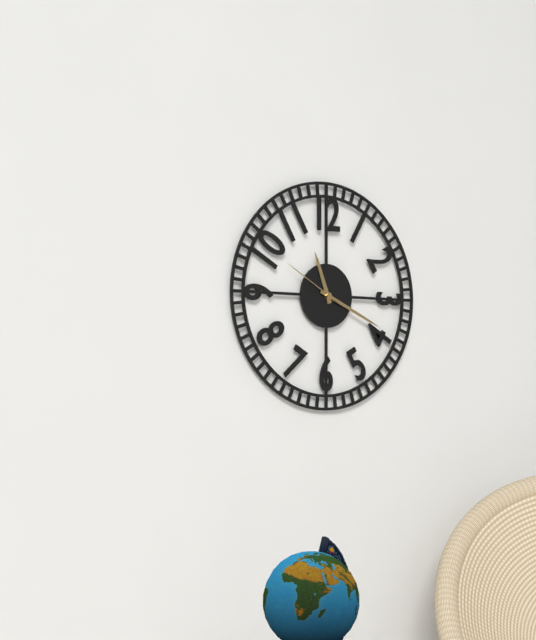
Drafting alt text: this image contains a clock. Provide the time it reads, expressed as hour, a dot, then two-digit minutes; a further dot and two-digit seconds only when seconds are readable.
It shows 11.19.50
